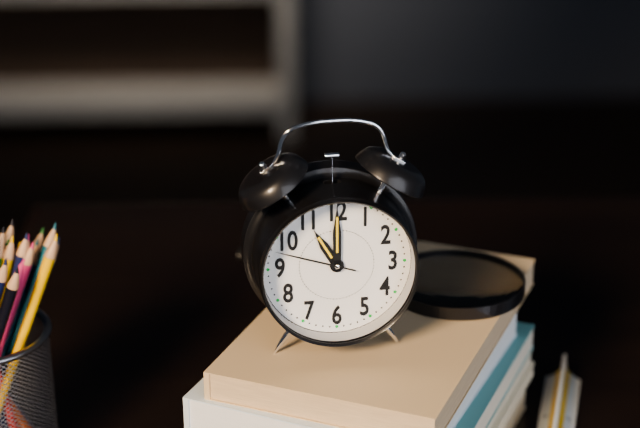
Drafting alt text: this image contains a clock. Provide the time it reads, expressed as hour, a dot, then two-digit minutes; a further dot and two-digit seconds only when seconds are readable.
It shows 11.00.48
